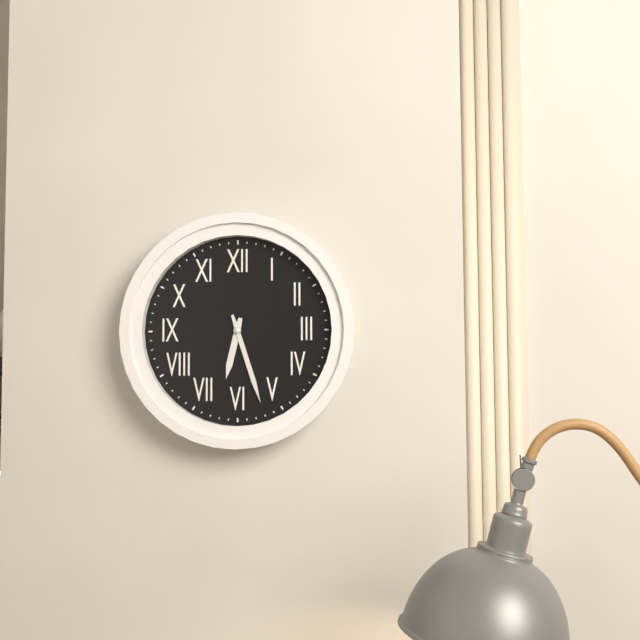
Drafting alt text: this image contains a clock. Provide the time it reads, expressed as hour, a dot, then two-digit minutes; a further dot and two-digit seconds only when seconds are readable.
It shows 6.27
